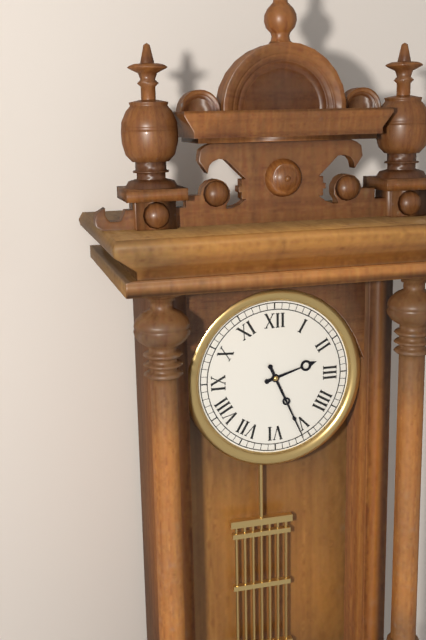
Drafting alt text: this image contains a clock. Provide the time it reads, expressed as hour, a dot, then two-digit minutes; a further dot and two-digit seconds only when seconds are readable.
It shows 2.26
